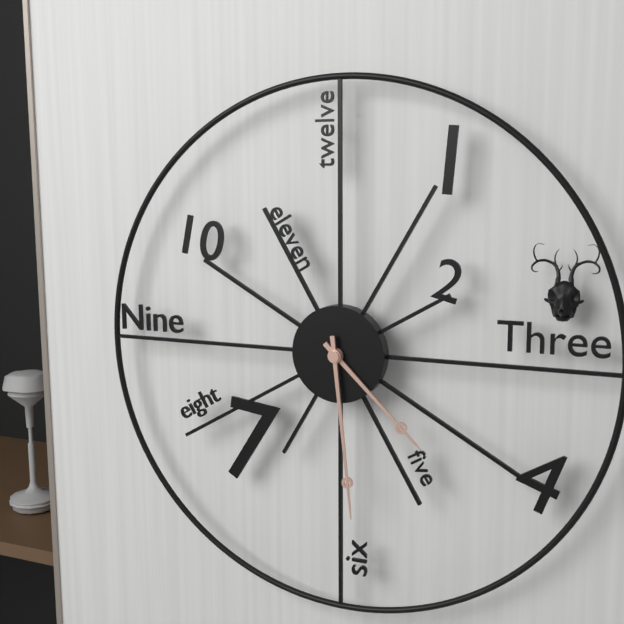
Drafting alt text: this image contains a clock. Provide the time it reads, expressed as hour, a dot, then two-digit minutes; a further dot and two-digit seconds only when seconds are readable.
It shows 4.29
